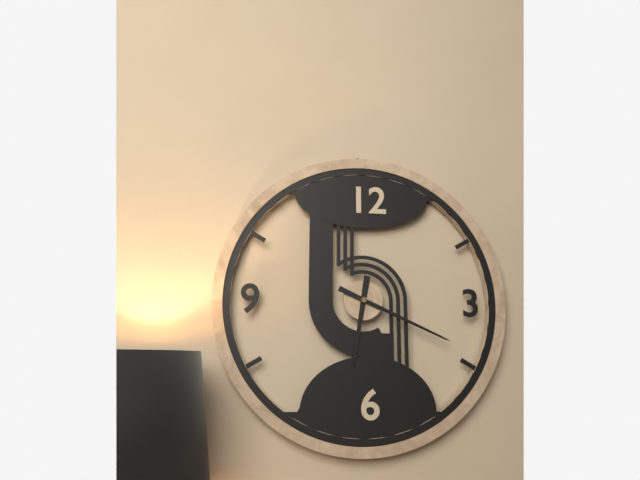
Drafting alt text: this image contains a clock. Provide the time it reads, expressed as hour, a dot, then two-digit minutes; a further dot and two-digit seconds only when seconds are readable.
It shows 6.19
